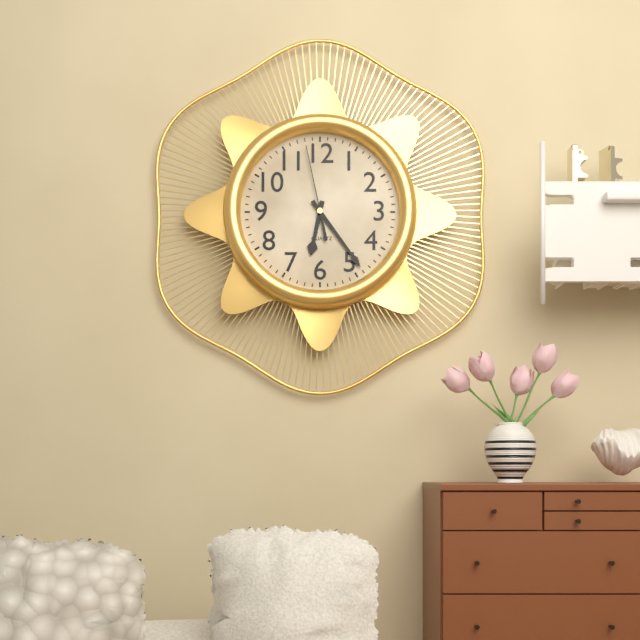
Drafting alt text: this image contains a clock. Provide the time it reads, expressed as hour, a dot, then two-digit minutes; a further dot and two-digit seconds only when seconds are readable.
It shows 6.24.58
